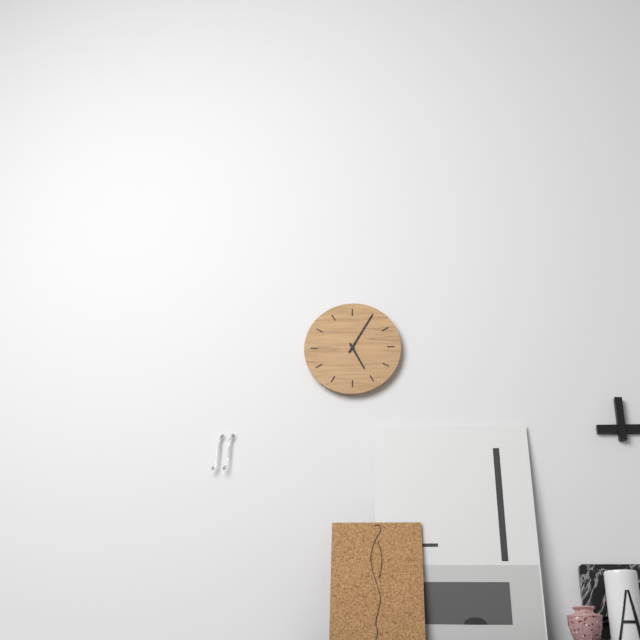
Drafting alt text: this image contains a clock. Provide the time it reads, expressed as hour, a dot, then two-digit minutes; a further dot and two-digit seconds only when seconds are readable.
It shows 5.05
